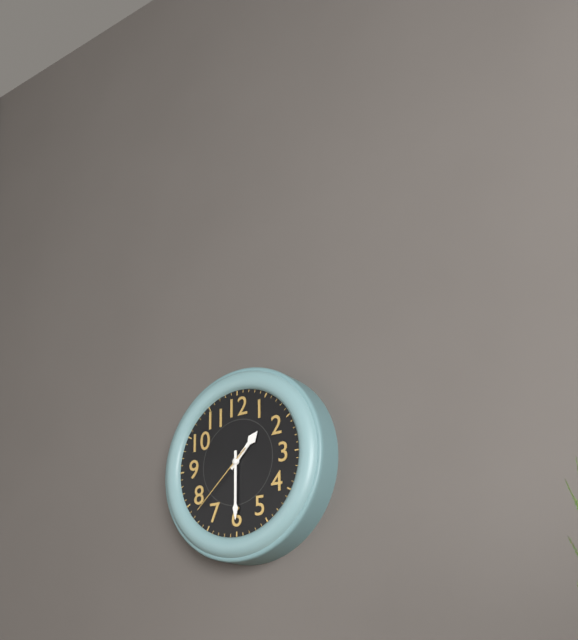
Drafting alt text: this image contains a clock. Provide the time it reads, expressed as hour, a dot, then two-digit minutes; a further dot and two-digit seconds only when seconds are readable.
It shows 1.30.38
